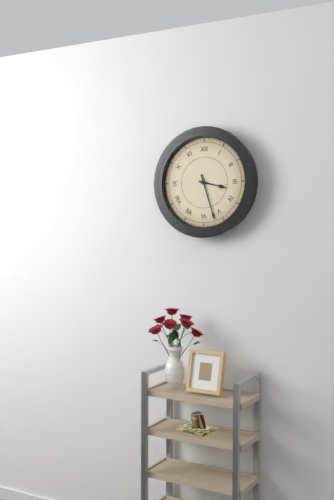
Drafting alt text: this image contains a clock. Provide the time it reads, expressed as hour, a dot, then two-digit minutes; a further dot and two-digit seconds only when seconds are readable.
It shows 3.27
